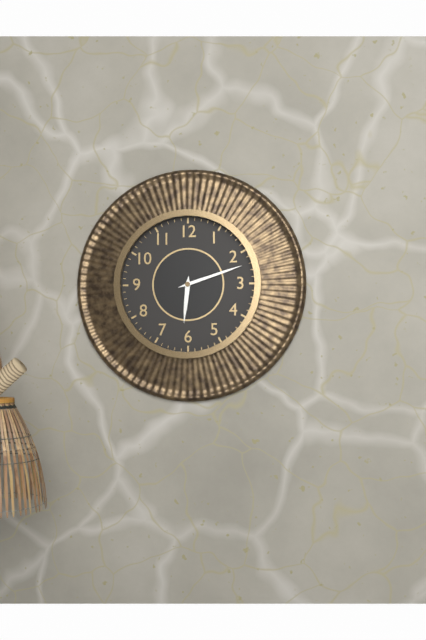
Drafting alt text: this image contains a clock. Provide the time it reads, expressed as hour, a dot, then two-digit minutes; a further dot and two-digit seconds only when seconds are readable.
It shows 6.12
